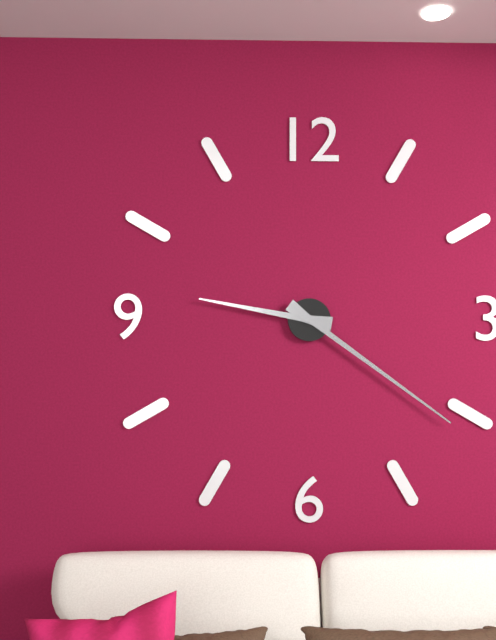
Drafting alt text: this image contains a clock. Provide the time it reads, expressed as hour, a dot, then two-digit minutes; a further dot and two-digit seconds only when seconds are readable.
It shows 9.21
